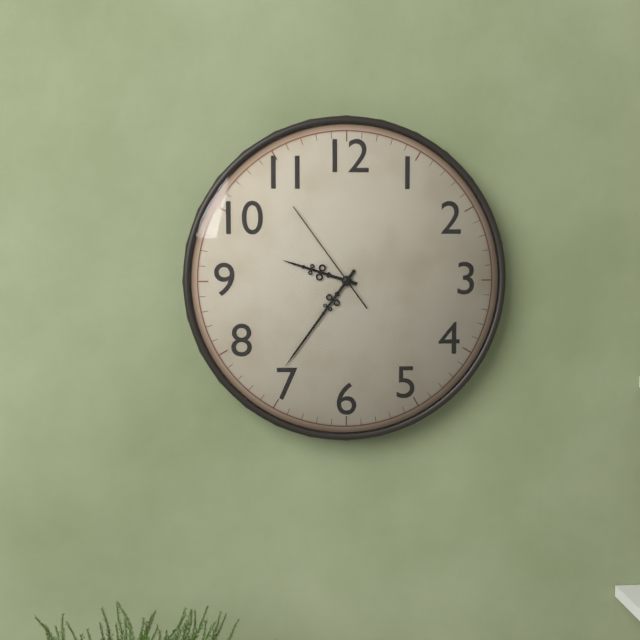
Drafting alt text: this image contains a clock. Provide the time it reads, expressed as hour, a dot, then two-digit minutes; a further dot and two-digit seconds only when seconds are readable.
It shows 9.36.54
